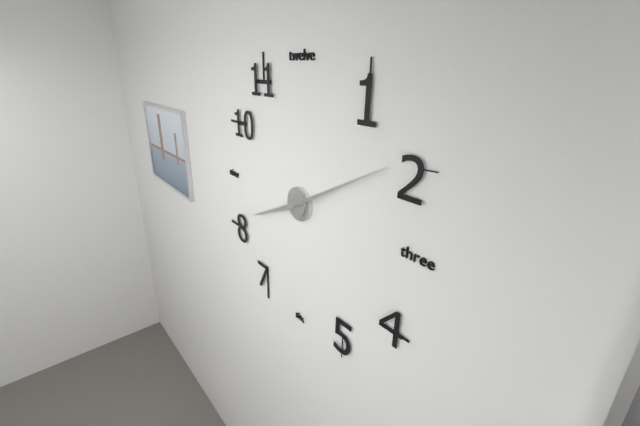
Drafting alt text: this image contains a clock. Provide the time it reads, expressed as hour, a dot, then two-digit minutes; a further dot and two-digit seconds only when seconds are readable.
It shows 8.10
